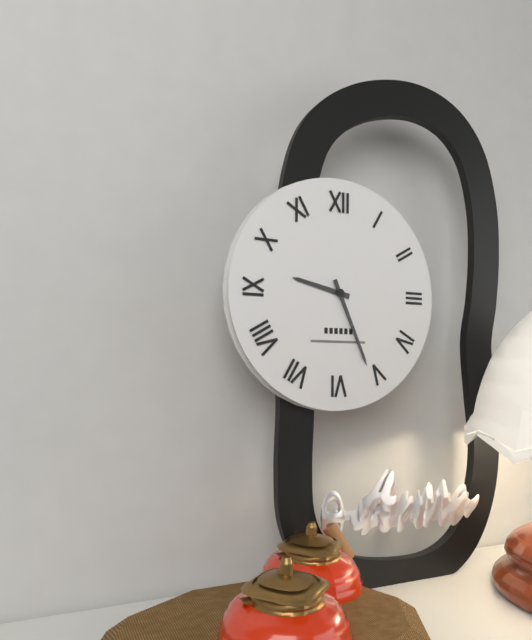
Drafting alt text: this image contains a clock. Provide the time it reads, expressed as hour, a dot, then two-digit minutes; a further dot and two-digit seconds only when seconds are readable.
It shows 9.26
